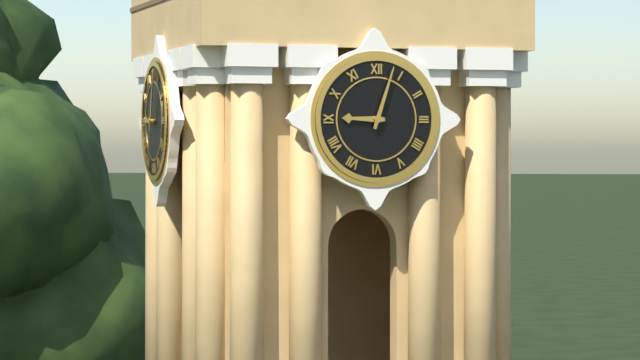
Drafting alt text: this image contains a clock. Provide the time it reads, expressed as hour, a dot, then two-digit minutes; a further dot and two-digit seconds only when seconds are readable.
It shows 9.03
